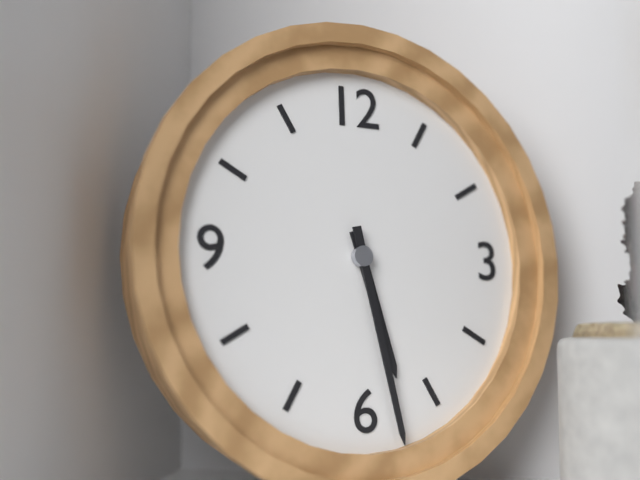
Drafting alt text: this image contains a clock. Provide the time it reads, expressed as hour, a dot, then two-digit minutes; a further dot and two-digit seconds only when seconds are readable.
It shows 5.28
